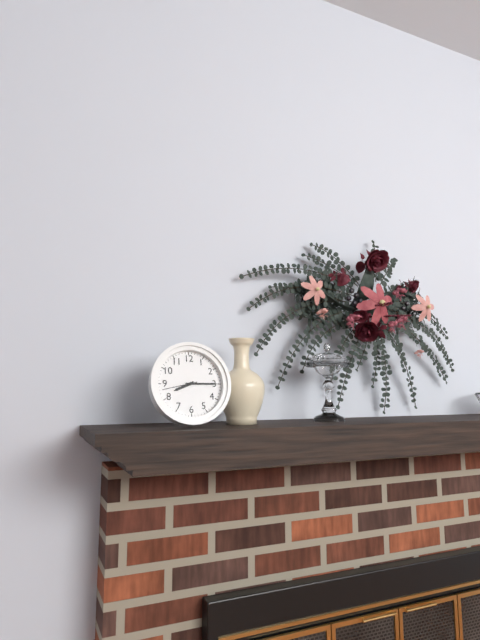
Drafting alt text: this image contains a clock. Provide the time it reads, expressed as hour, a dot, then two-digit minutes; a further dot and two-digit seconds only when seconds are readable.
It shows 8.15
